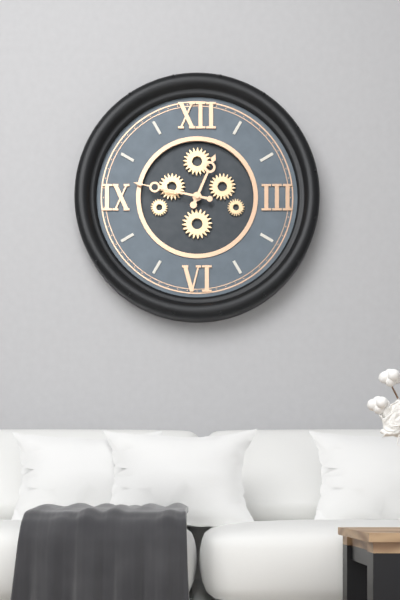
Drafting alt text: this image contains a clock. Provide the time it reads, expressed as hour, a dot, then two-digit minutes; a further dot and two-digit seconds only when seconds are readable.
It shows 12.47
